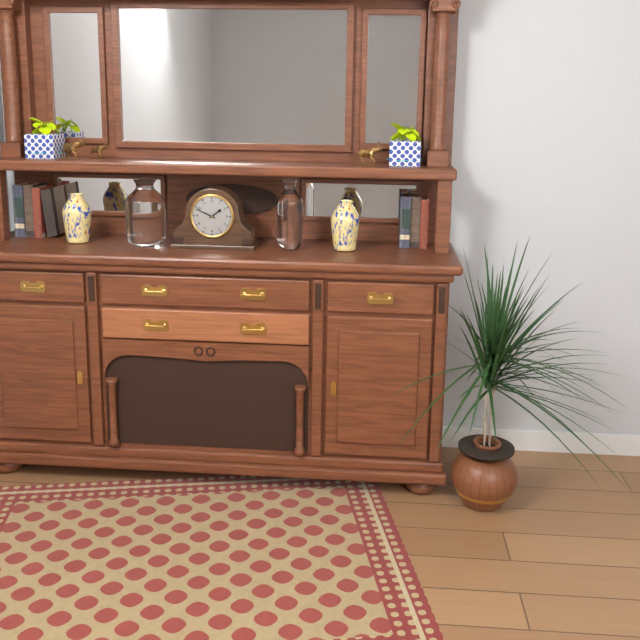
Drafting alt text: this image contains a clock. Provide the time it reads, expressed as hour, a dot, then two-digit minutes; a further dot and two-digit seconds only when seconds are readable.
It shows 1.49
